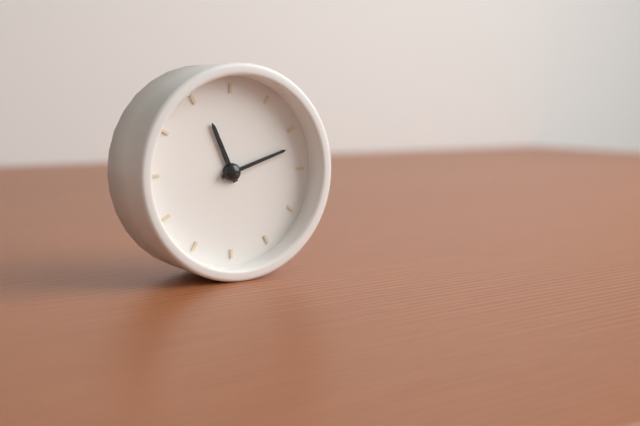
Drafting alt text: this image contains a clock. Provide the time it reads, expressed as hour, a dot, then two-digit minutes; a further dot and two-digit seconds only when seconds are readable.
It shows 11.12
